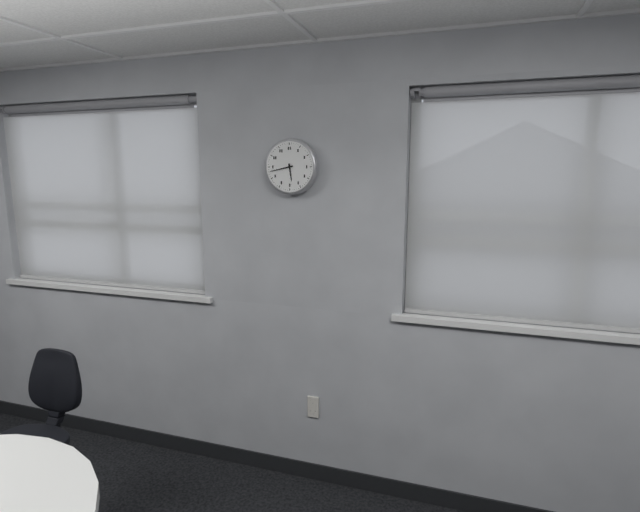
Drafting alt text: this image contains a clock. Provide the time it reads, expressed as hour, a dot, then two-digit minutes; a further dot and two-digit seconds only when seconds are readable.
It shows 5.43
